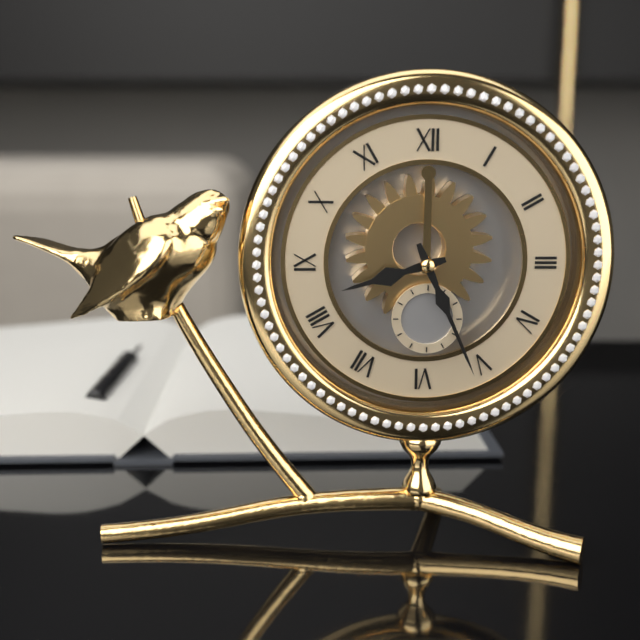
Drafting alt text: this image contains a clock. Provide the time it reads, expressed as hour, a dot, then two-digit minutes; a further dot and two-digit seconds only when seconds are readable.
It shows 8.26
